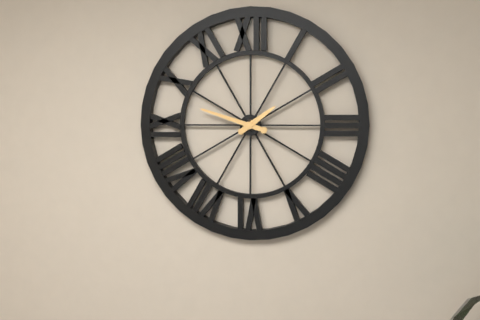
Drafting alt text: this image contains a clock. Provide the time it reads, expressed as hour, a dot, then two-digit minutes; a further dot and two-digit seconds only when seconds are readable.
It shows 1.48
